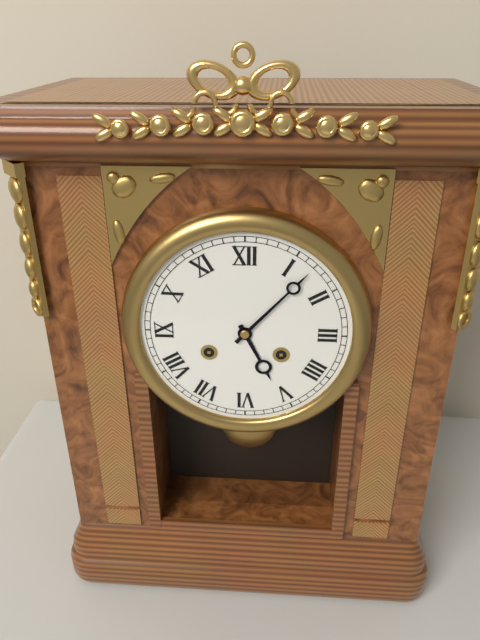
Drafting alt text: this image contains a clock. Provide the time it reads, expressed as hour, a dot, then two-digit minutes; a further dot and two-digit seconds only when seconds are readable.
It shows 5.07
